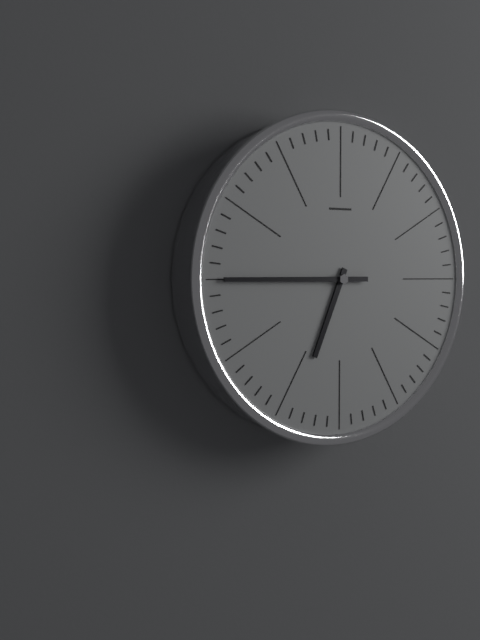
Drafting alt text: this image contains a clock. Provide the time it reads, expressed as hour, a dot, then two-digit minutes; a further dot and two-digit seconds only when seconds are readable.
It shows 6.45
